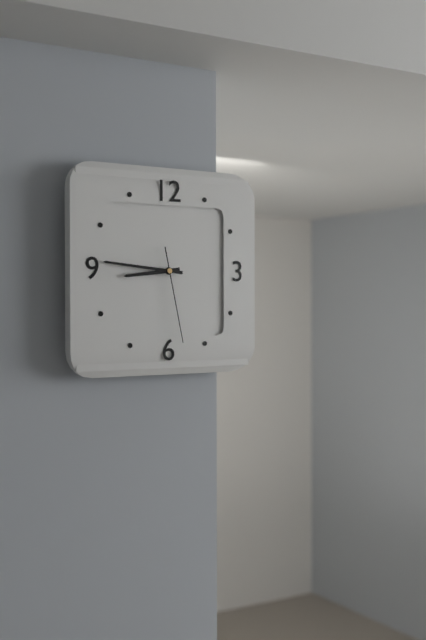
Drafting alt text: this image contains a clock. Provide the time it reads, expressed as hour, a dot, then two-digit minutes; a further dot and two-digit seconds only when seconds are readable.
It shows 8.46.28
